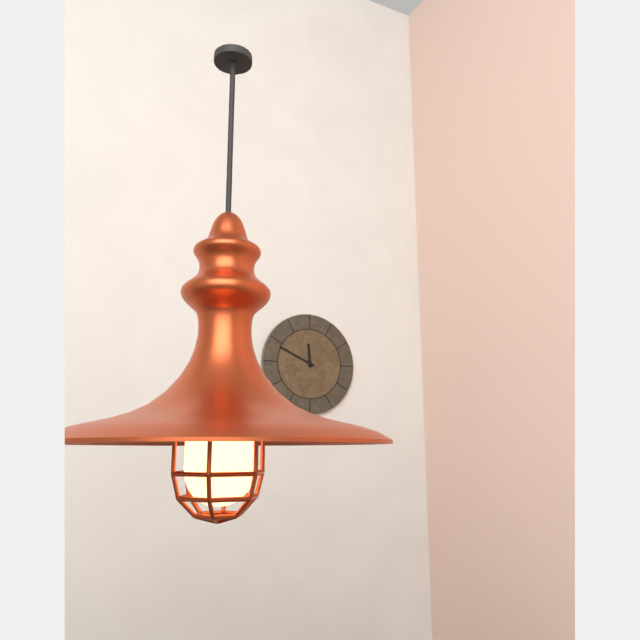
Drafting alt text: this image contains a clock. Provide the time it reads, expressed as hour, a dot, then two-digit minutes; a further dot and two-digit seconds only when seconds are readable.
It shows 11.49
